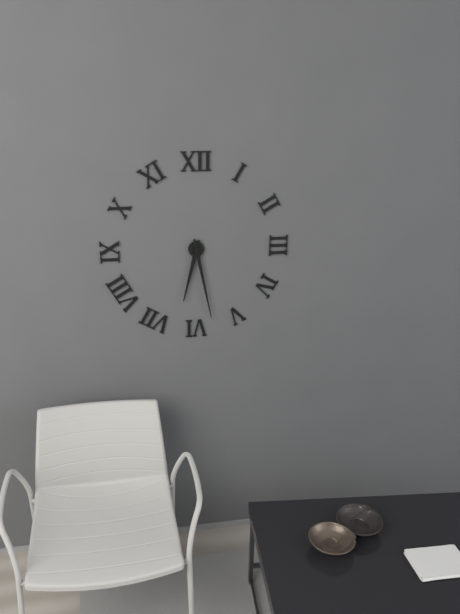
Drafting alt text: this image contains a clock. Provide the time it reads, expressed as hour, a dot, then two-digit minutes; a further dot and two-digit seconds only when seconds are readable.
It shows 6.28
